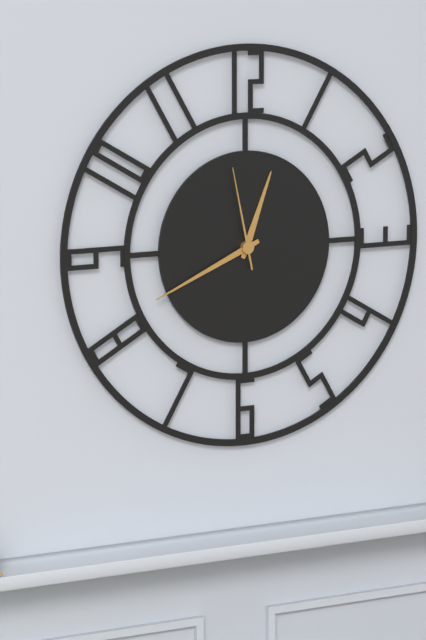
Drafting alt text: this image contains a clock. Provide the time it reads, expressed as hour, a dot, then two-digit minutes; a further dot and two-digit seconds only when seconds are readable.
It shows 12.41.58
